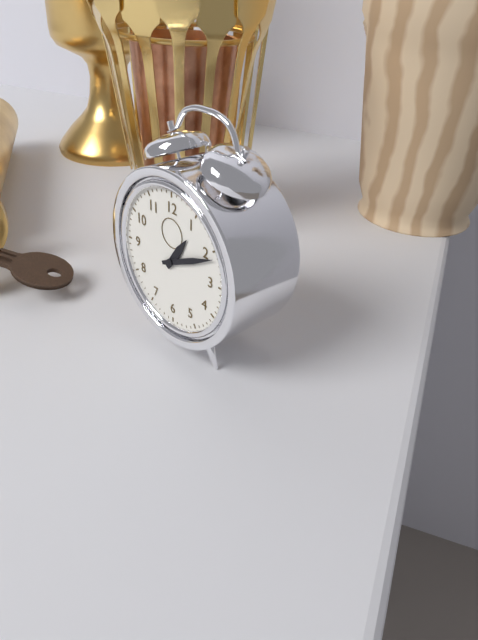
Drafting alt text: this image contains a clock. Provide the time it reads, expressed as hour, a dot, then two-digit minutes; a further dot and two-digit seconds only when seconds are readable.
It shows 1.11
